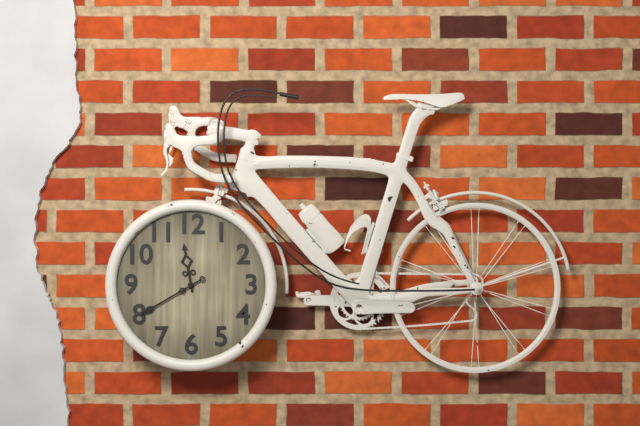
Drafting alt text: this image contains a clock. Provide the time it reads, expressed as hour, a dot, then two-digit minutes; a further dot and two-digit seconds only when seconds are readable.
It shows 11.40
